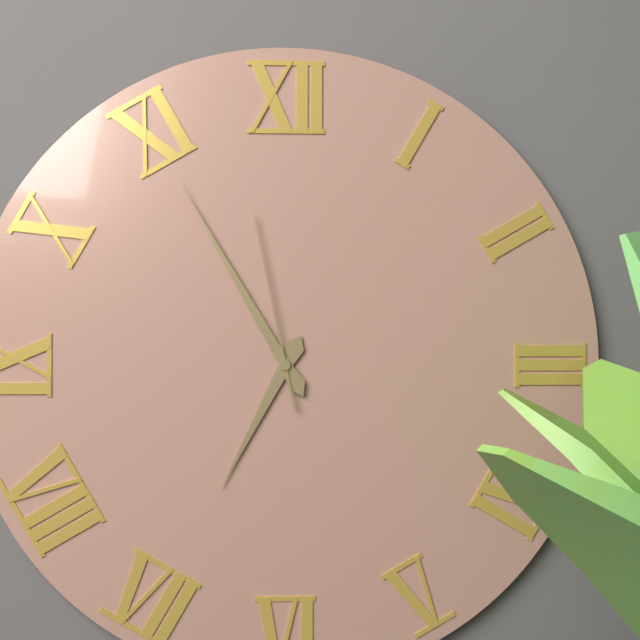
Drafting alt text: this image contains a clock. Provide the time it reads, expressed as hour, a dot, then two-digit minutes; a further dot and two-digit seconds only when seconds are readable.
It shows 6.55.58
